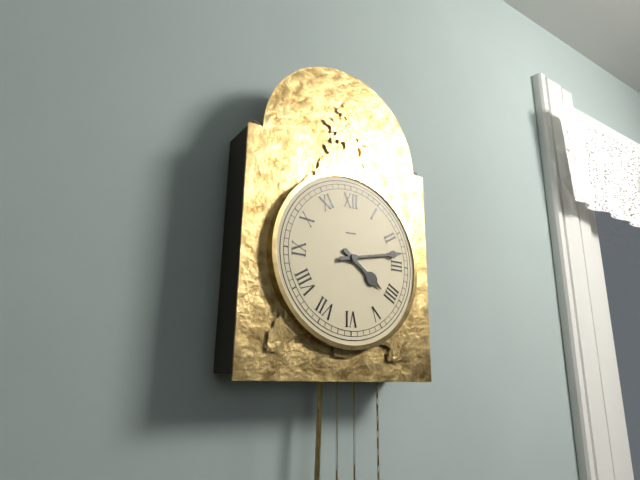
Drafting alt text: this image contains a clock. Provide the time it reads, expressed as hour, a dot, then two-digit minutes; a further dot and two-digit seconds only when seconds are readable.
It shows 4.13
